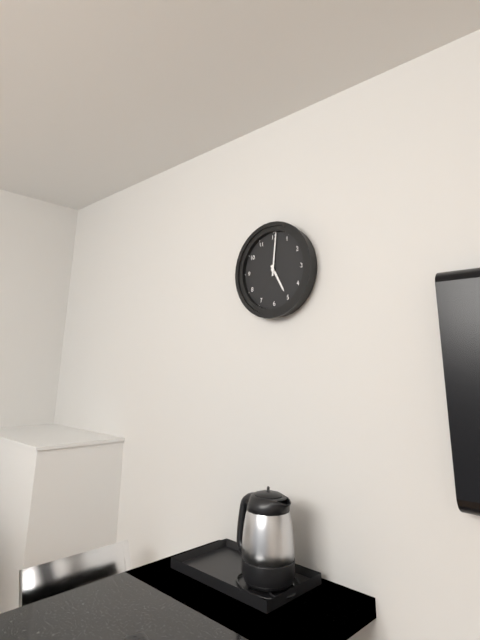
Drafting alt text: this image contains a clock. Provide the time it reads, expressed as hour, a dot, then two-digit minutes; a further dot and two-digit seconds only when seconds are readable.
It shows 5.01
